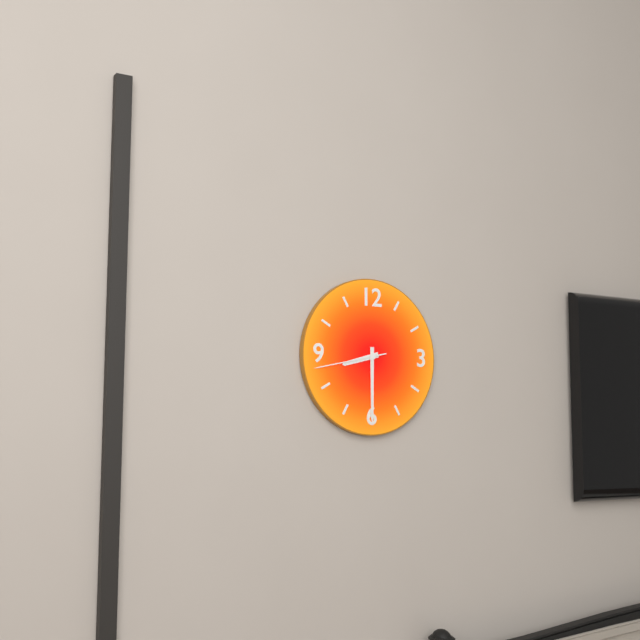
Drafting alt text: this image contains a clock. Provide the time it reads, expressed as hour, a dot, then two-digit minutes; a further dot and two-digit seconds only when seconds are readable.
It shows 8.30.43
